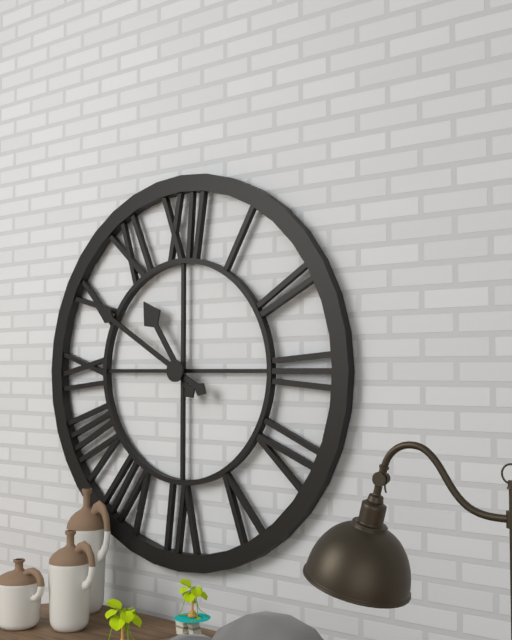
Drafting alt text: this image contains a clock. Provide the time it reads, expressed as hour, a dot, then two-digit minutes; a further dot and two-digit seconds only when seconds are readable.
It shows 10.50
